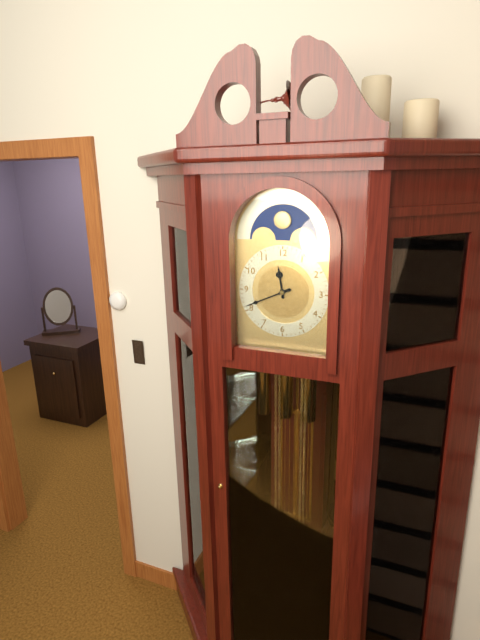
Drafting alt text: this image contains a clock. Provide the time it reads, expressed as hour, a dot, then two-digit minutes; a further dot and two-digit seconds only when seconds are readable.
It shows 11.41
